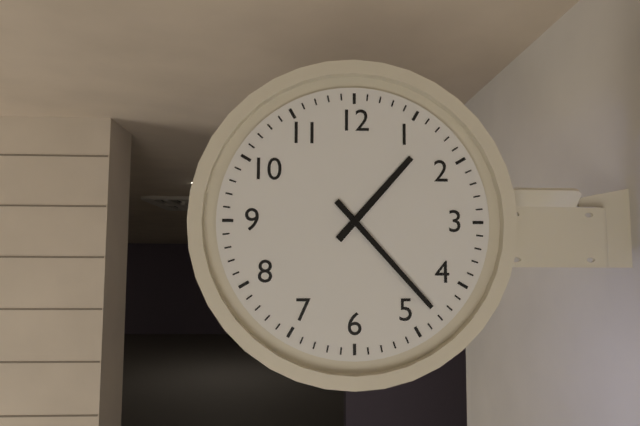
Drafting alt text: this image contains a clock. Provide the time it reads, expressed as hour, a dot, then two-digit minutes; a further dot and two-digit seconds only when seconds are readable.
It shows 1.23
